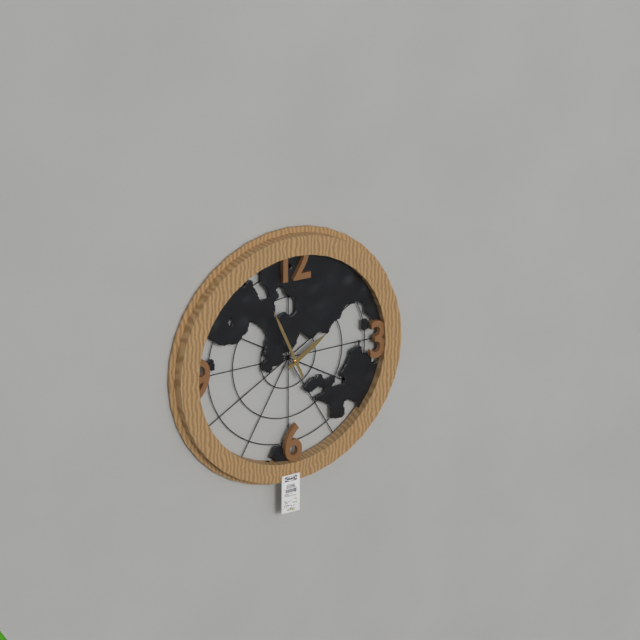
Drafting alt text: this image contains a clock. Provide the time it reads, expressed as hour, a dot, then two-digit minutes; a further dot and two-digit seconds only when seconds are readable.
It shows 1.56
